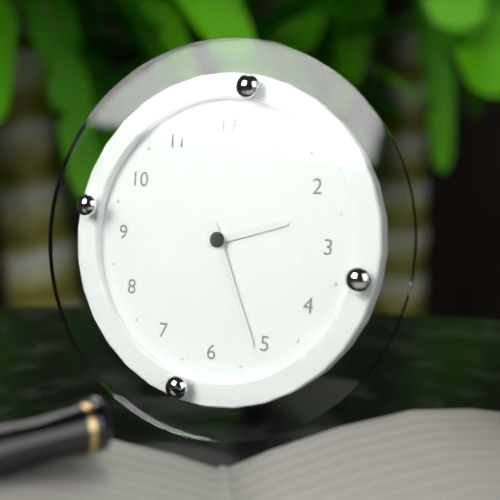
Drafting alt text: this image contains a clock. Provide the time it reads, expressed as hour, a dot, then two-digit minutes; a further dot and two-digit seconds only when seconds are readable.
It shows 2.26
